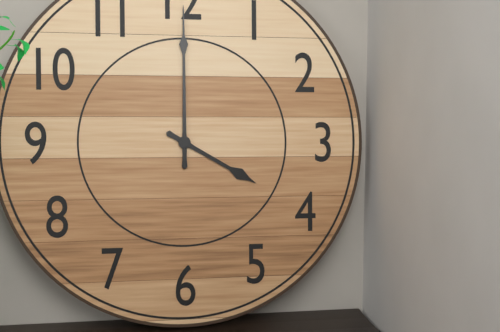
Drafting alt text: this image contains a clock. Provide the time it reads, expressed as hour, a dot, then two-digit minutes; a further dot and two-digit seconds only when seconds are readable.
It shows 4.00
